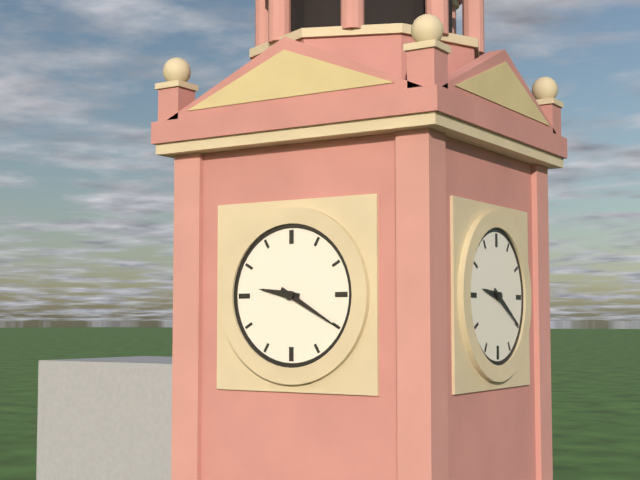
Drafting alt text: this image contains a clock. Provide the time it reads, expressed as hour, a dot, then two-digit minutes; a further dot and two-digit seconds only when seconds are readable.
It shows 9.20
